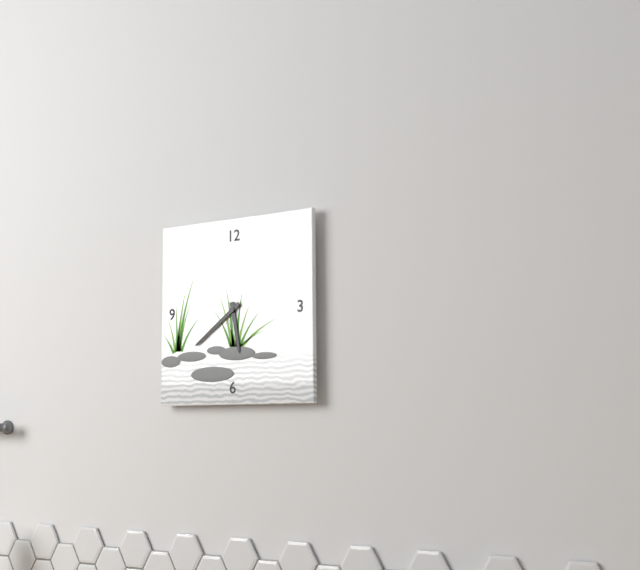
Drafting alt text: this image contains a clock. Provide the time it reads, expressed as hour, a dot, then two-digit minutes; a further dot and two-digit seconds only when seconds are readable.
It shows 5.39
